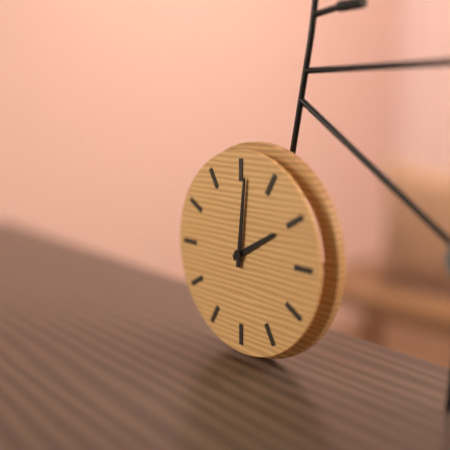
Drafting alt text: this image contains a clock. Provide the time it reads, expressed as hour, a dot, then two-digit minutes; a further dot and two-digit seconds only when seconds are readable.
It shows 2.01
